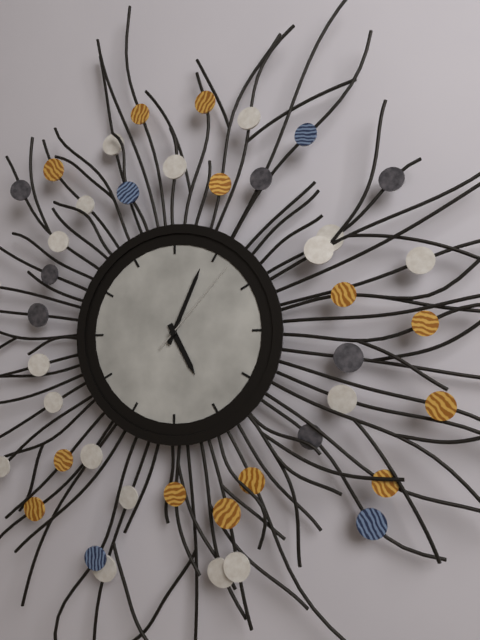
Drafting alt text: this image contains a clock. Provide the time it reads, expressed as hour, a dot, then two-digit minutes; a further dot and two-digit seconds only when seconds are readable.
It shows 5.04.07
